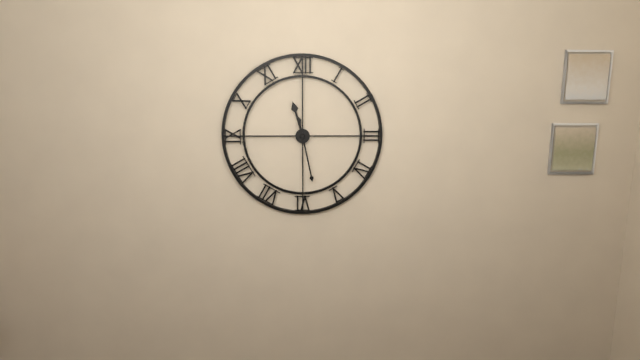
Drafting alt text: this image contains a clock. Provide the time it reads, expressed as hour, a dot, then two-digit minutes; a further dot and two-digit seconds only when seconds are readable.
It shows 11.28
